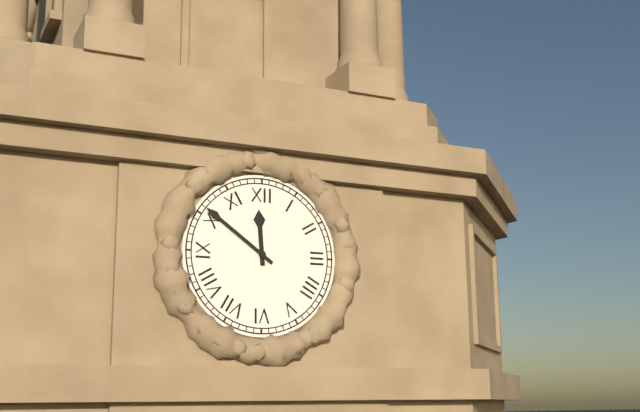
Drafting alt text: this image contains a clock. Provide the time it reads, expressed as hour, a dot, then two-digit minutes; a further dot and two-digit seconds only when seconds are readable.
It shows 11.51
